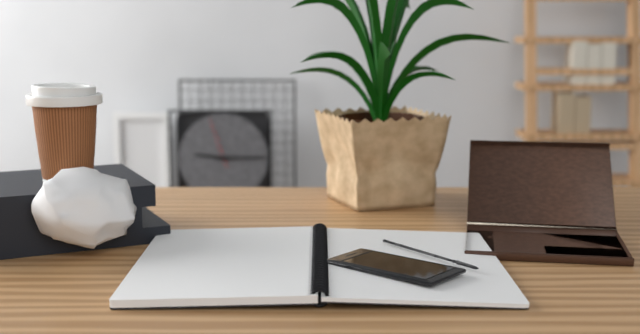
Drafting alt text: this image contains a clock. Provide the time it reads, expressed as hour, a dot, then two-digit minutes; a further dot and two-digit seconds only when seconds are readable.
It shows 9.15.57
